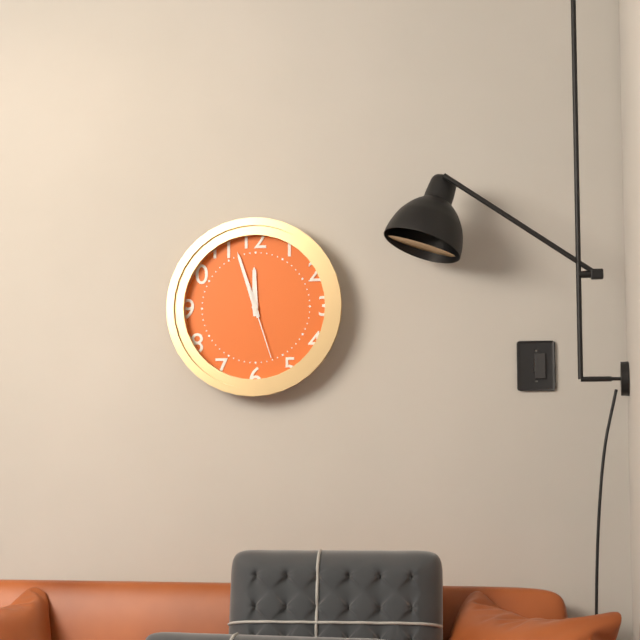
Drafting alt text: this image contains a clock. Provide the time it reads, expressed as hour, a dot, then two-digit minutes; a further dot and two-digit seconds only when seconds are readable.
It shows 11.57.27
